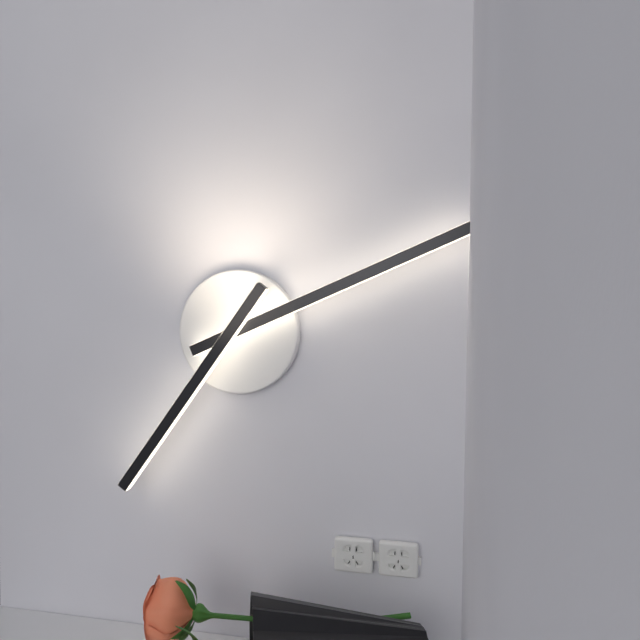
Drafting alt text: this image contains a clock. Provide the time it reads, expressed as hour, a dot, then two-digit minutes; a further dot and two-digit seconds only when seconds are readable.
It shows 7.11
